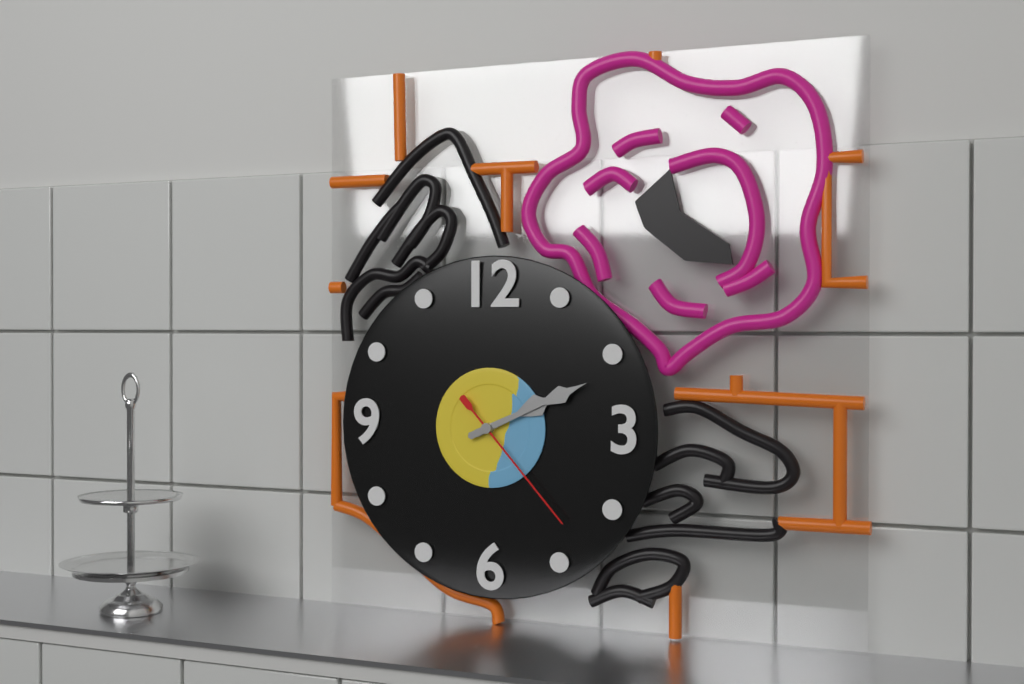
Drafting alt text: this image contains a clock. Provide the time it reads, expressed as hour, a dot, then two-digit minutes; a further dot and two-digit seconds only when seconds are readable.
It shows 2.11.23
